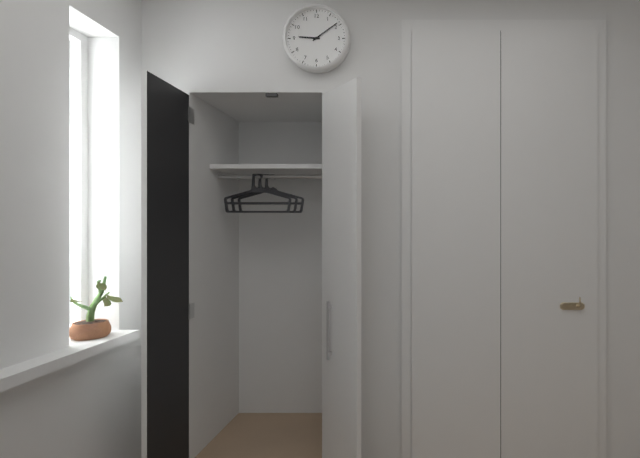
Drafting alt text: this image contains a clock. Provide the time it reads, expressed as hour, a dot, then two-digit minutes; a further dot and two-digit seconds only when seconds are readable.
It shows 9.09
